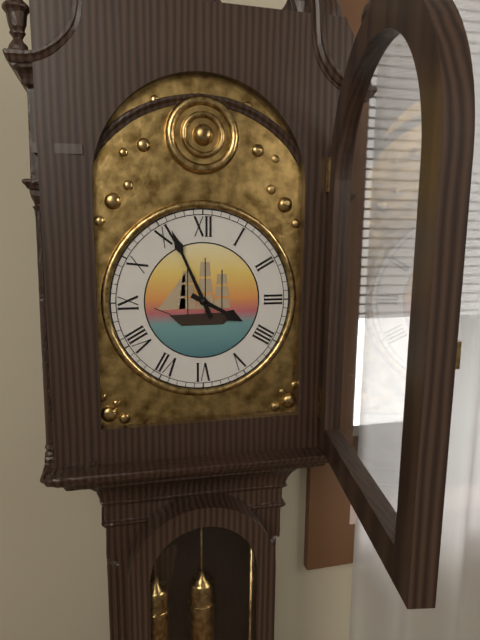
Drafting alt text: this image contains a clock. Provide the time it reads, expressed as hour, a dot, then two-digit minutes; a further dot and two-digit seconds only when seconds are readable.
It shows 3.56
